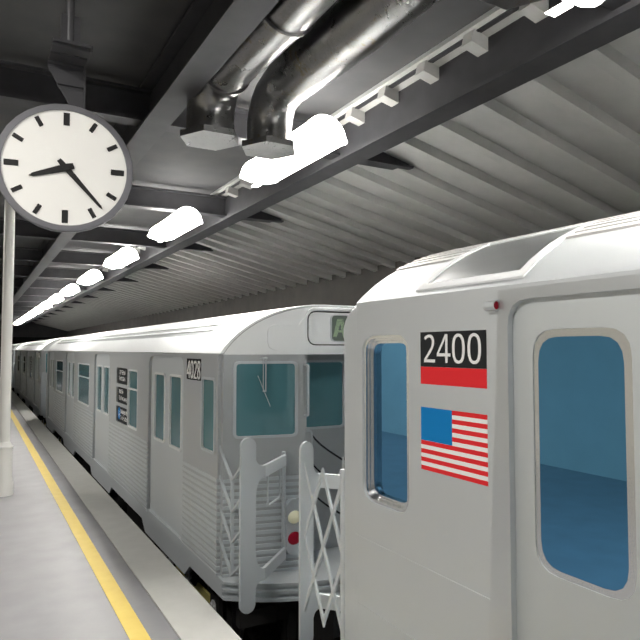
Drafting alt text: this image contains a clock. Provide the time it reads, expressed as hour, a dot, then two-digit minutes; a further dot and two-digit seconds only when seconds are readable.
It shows 8.23
